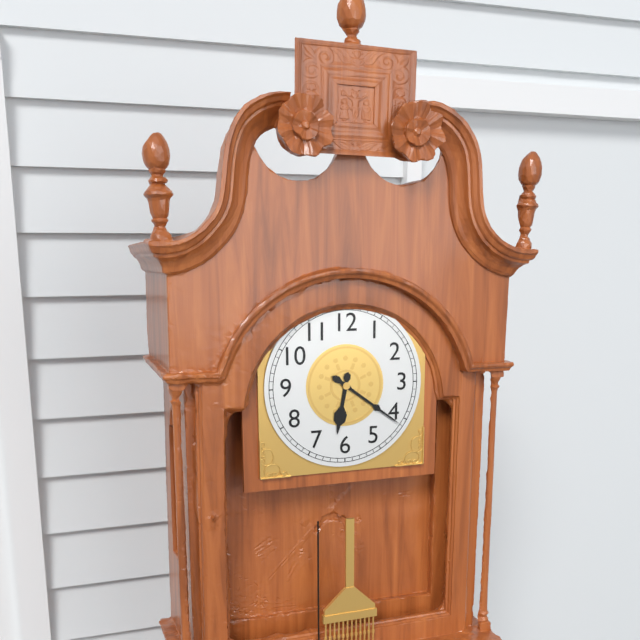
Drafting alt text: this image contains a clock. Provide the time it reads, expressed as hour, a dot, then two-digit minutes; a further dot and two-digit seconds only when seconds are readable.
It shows 6.21
